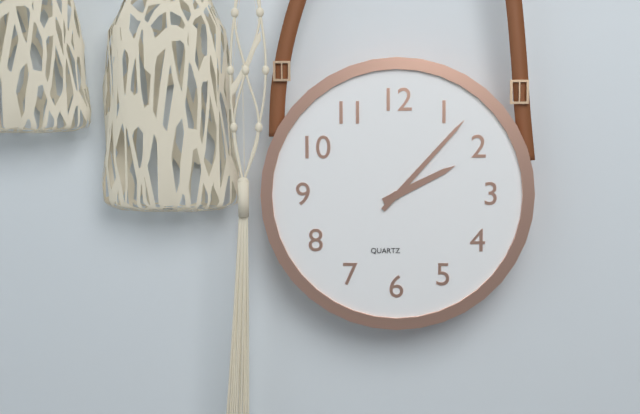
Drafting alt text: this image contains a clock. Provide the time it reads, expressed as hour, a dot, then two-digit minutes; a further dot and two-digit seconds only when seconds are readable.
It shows 2.07
